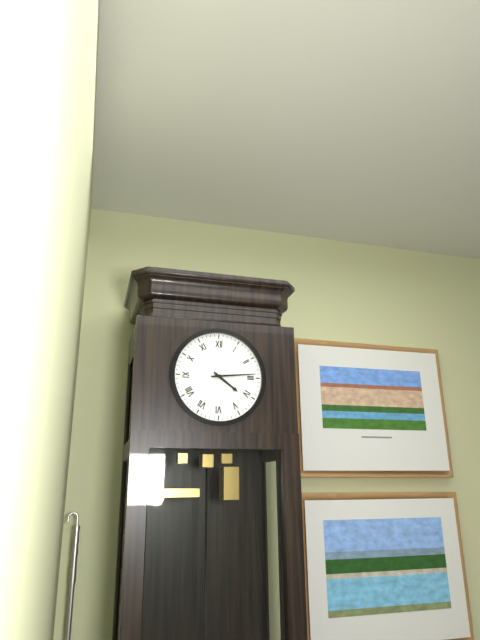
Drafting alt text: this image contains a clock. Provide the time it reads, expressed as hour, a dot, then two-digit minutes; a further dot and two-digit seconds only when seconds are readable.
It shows 4.14
